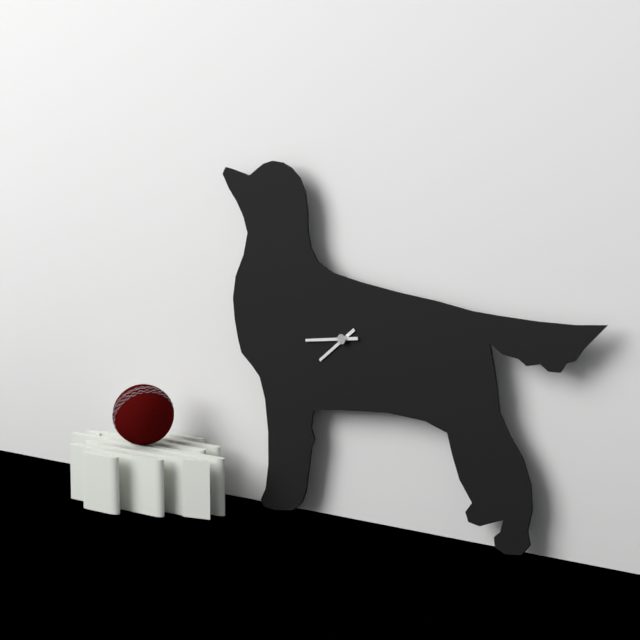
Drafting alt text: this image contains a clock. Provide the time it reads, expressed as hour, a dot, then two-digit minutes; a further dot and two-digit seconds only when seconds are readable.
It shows 7.44
